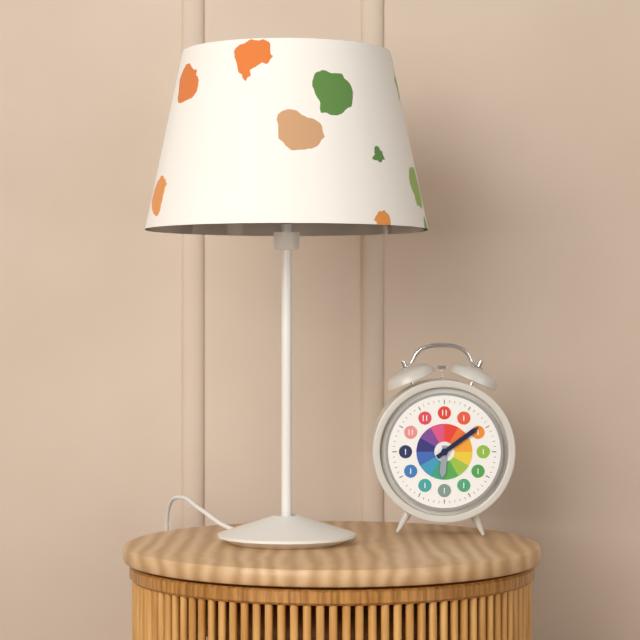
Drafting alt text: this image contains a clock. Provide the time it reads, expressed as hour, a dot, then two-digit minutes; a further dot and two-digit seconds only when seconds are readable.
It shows 6.09
